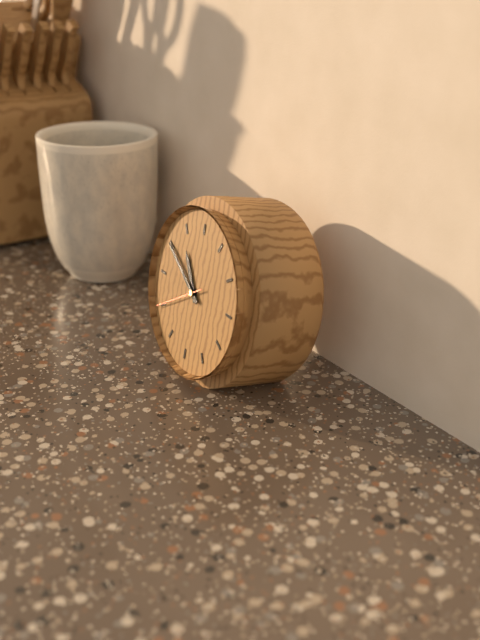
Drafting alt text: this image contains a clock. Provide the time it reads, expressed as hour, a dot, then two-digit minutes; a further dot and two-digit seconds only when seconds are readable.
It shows 10.50.40
